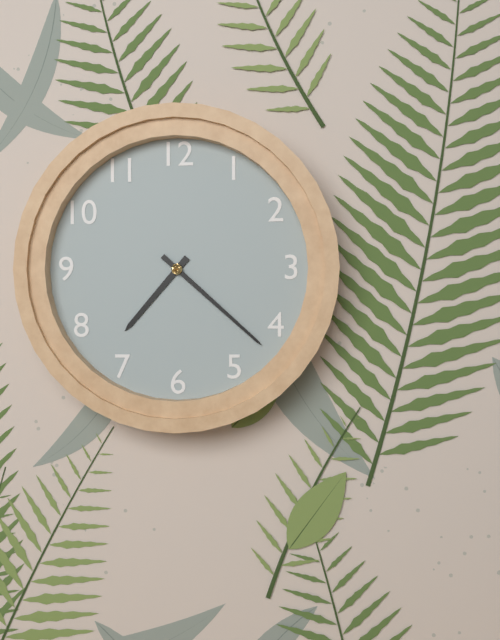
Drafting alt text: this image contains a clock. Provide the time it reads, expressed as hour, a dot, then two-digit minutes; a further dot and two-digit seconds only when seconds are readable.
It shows 7.22
